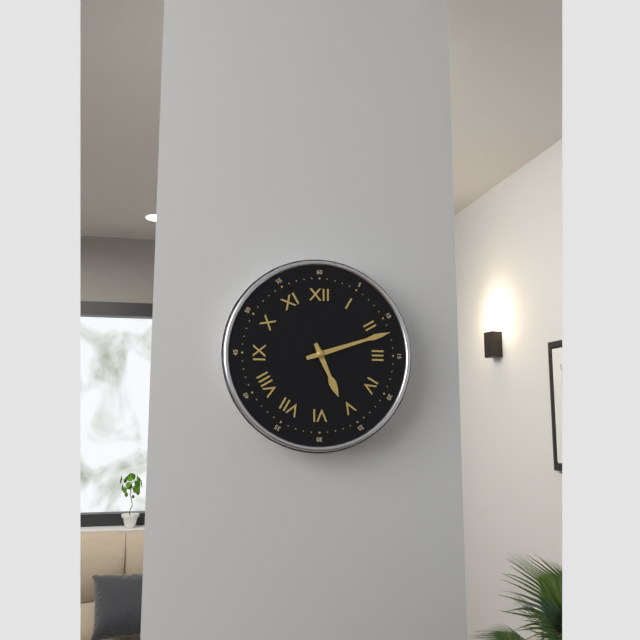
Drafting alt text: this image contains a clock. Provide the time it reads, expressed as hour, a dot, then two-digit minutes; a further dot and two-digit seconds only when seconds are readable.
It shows 5.12
